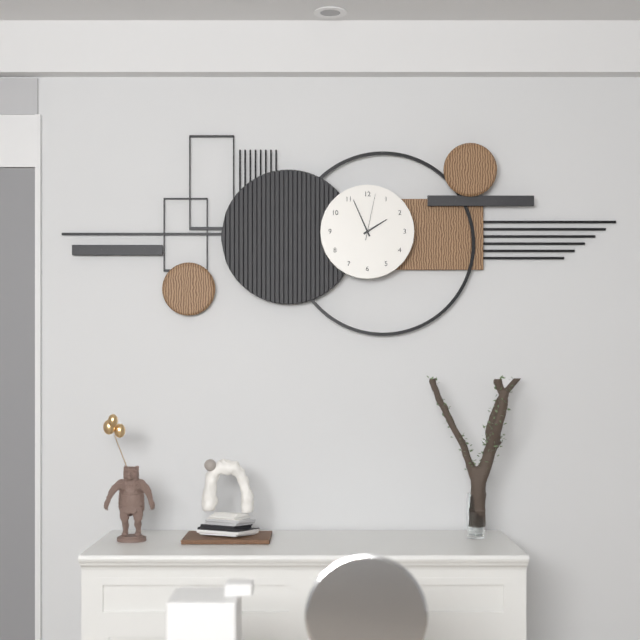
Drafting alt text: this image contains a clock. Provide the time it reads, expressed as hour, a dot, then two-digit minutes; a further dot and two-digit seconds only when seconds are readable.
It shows 1.56
